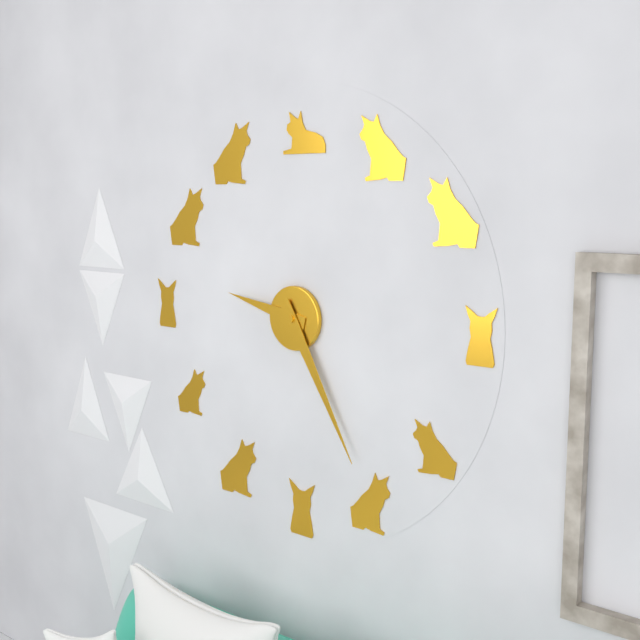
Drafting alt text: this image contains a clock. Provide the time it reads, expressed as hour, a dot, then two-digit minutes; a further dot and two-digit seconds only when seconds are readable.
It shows 9.25
